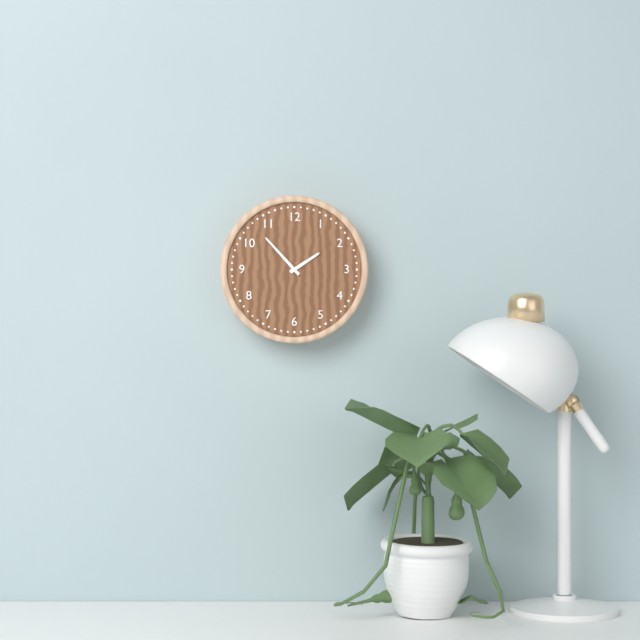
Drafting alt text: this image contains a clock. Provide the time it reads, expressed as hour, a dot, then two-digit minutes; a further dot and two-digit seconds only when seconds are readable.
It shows 1.53
